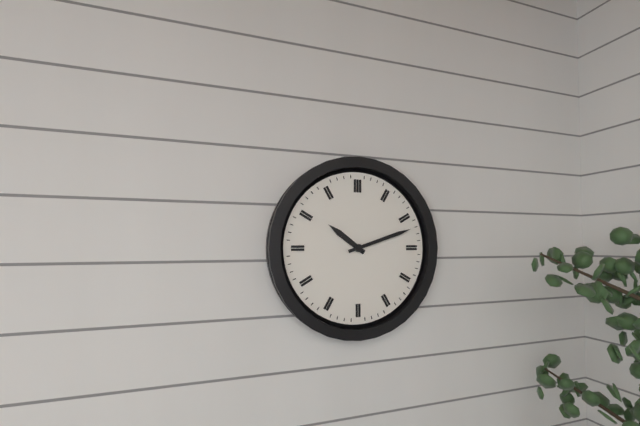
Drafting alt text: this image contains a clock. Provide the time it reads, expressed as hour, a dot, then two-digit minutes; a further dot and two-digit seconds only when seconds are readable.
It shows 10.12
